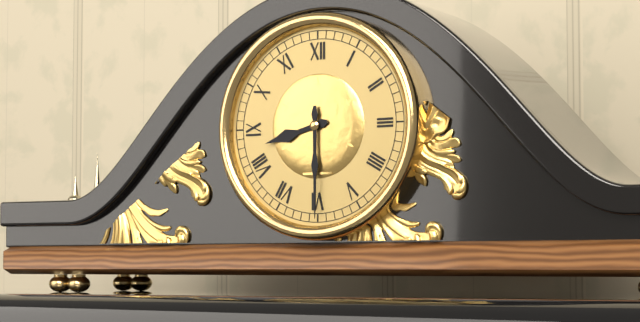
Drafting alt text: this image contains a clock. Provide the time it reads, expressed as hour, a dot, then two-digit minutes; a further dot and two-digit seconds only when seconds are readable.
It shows 8.30
